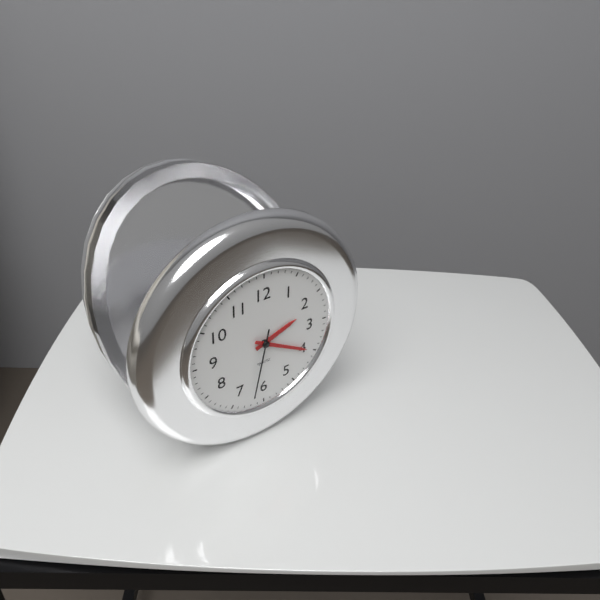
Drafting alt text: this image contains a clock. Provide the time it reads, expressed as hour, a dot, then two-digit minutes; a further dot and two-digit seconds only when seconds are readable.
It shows 2.20.32
